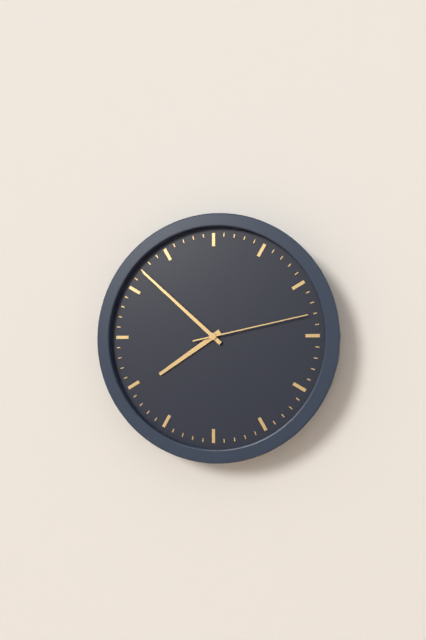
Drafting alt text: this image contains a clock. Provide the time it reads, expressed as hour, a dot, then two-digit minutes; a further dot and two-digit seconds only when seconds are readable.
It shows 7.52.13
